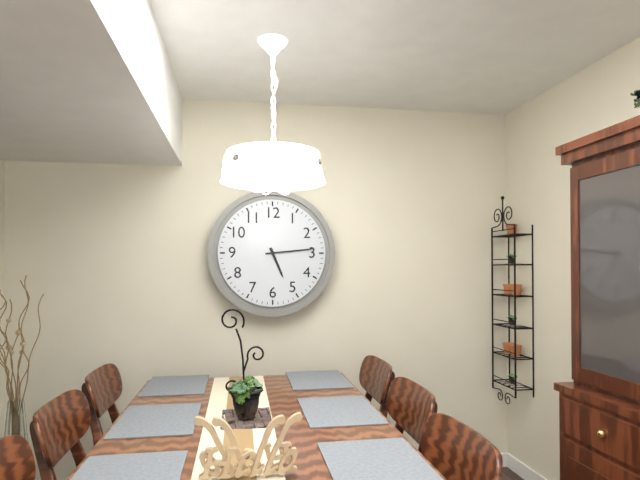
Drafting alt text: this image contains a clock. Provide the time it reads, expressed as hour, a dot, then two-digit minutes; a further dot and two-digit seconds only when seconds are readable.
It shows 5.14
